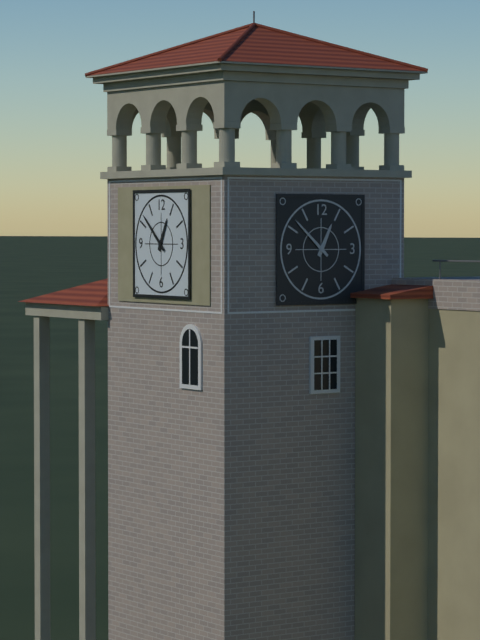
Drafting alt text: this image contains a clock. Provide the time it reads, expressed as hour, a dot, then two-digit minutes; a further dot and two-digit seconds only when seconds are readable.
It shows 12.52
